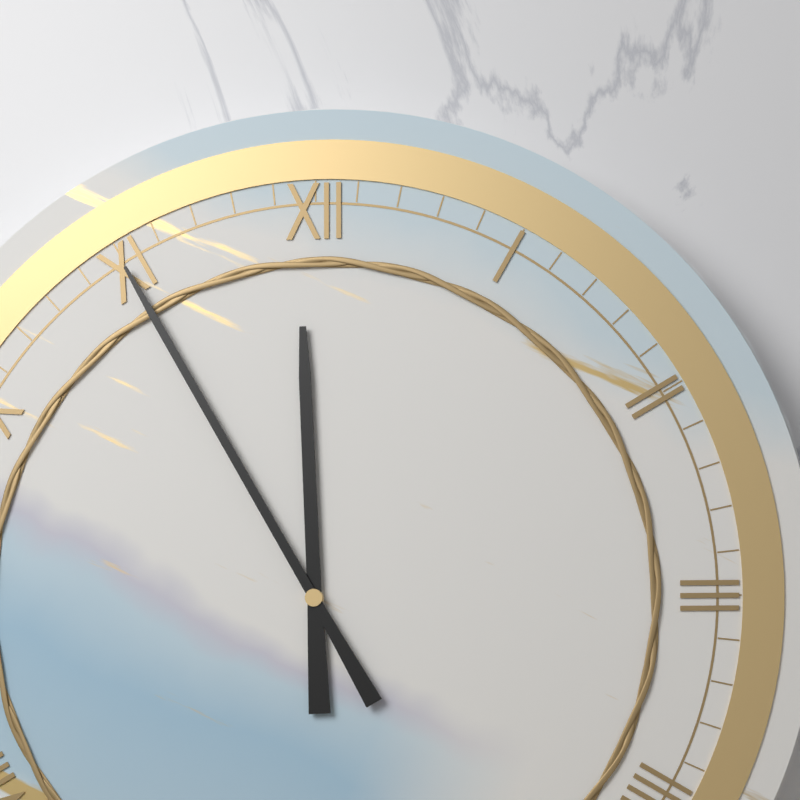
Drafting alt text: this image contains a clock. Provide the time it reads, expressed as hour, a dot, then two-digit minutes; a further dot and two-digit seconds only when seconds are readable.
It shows 11.55
